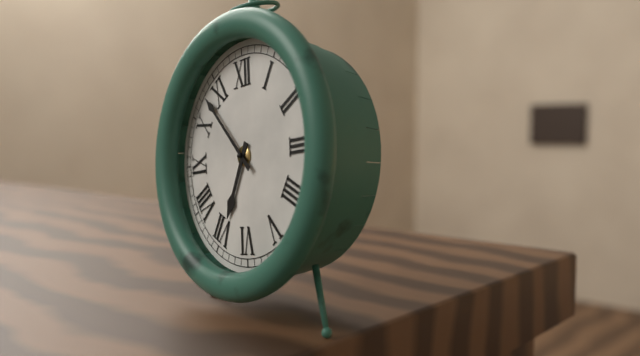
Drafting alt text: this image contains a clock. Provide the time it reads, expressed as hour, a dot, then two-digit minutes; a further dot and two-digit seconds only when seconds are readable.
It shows 6.53
